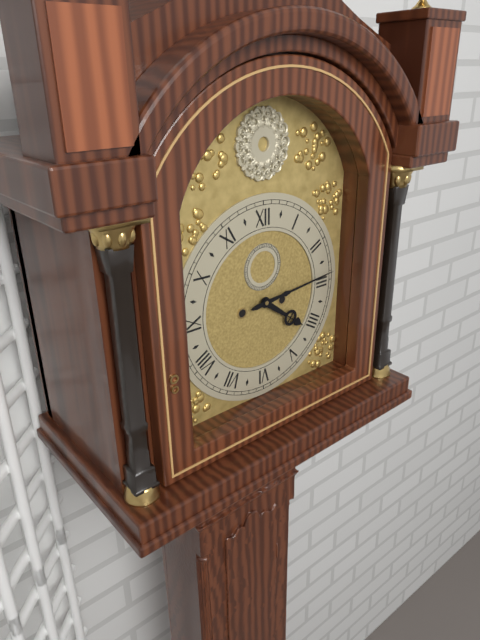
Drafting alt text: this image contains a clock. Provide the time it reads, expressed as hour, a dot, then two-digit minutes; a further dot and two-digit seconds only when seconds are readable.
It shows 4.14
